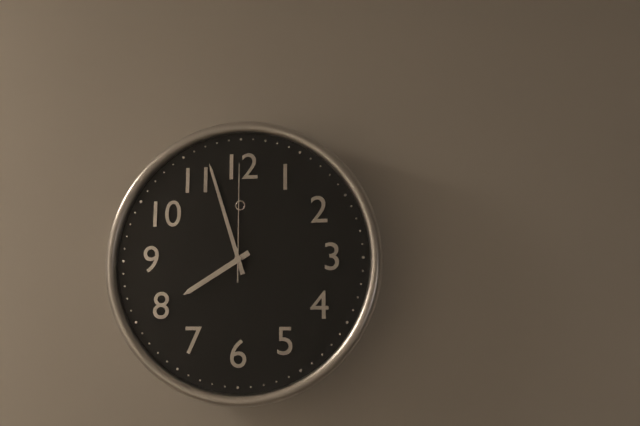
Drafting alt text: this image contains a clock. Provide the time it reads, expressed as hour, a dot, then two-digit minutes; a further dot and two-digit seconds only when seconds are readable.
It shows 7.57.00
